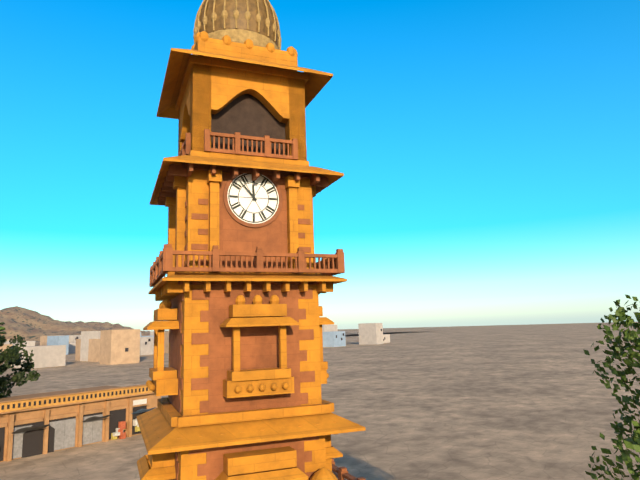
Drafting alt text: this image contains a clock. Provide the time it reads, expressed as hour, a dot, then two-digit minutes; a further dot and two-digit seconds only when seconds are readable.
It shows 11.53
